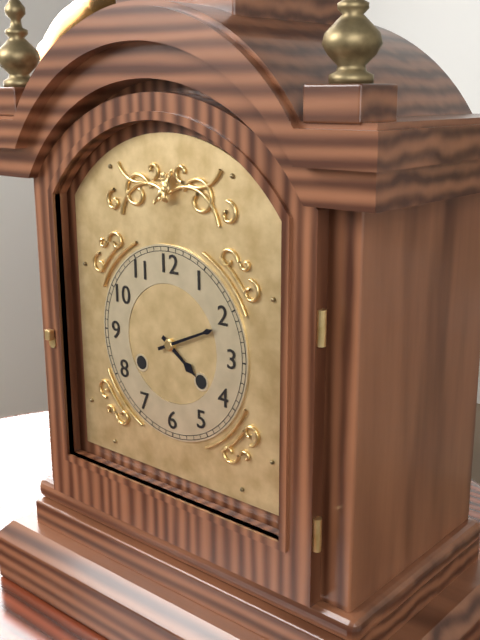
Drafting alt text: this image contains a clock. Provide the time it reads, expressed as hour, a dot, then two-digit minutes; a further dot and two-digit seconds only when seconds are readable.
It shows 4.11
